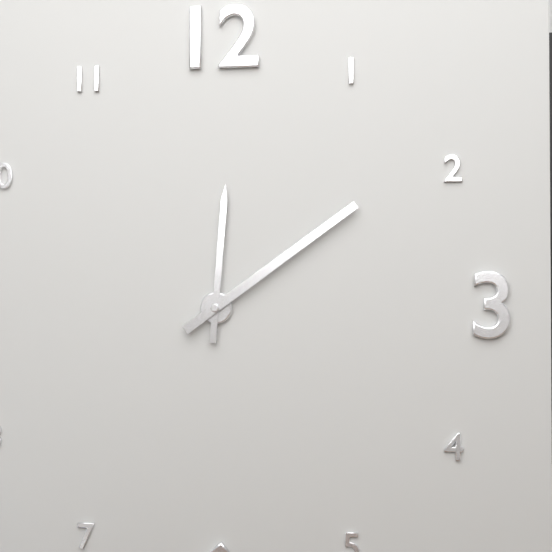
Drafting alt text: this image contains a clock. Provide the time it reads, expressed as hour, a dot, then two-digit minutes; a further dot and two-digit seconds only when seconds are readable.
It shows 12.09
